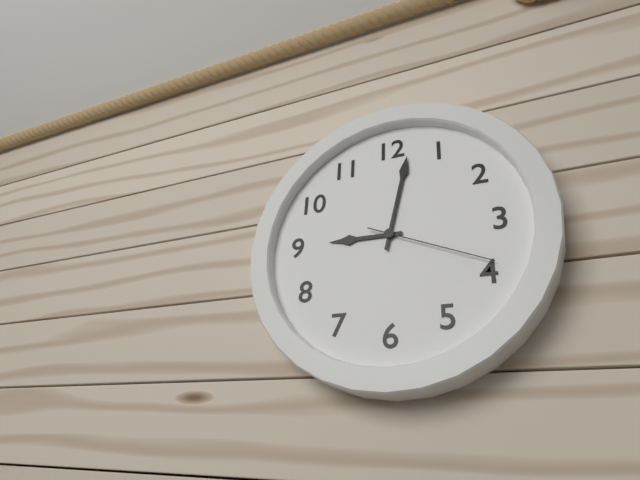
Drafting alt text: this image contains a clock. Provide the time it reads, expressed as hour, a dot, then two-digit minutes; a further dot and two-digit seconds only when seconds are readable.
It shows 9.02.19
